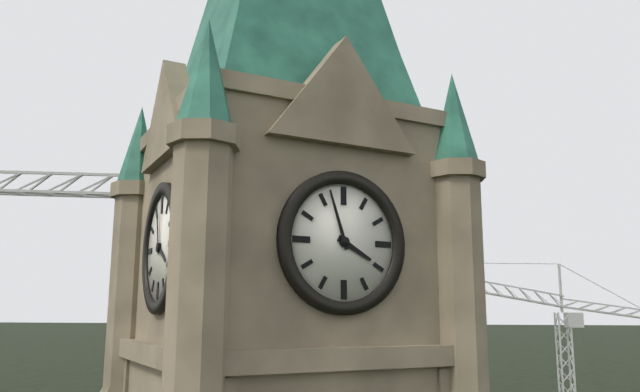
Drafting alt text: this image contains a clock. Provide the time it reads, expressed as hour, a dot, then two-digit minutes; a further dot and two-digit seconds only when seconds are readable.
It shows 3.57
